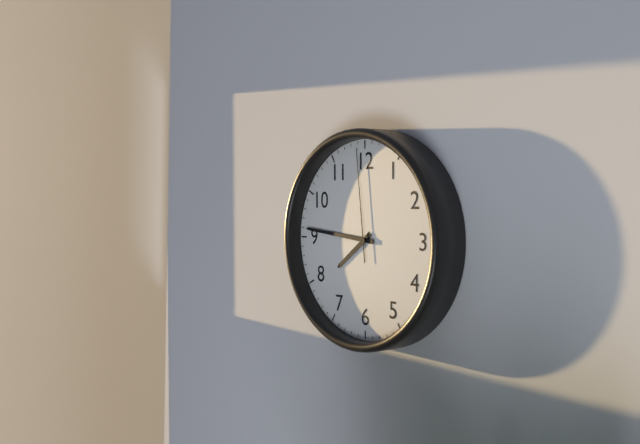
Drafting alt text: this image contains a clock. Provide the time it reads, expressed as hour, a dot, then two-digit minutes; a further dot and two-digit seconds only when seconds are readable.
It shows 7.46.59
